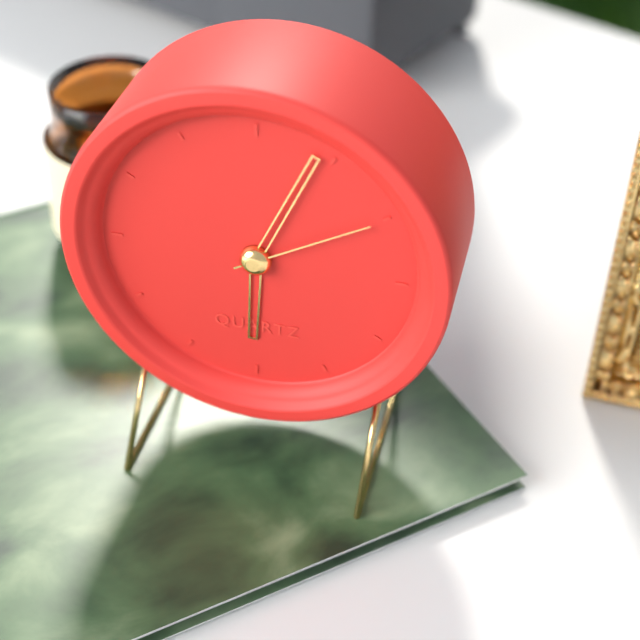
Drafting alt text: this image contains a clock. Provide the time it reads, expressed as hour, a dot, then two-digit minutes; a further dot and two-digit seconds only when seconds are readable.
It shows 6.04.10
